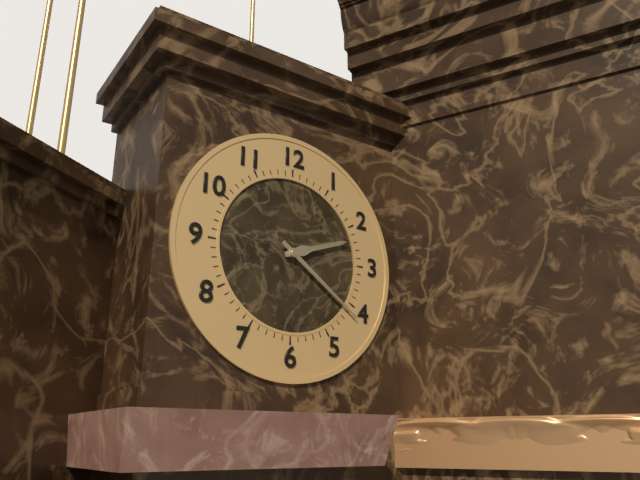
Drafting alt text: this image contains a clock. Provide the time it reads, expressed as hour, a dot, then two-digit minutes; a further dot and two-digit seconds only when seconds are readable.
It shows 2.21
